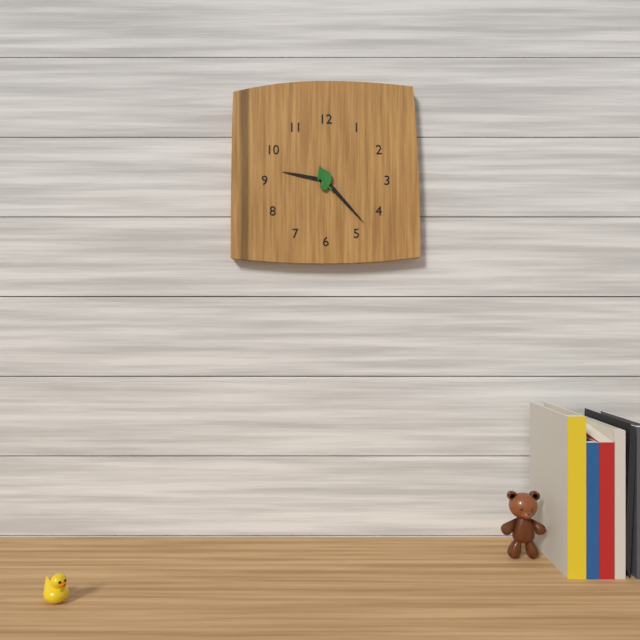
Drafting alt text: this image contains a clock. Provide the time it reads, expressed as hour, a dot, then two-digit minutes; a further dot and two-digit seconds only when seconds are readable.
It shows 9.23
